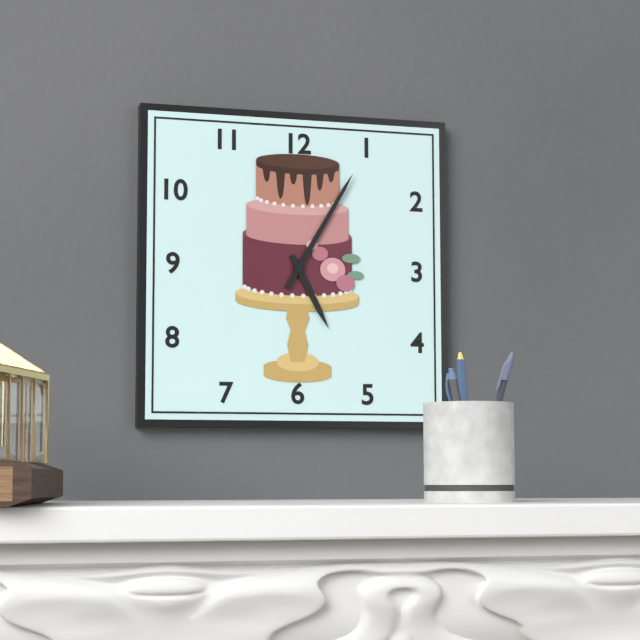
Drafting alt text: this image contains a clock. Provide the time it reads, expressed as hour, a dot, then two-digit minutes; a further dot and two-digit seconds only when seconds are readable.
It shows 5.05
